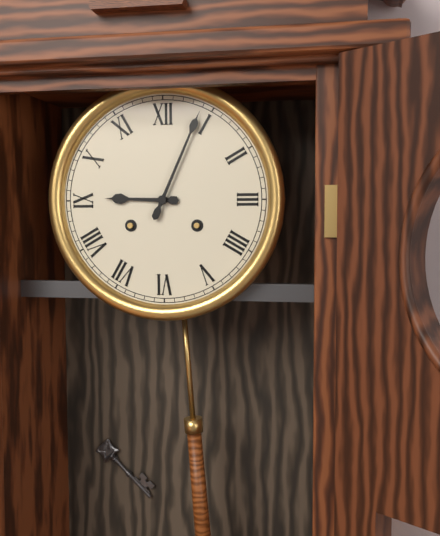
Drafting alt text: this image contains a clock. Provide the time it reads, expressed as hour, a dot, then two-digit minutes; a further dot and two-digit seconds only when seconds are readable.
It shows 9.04
